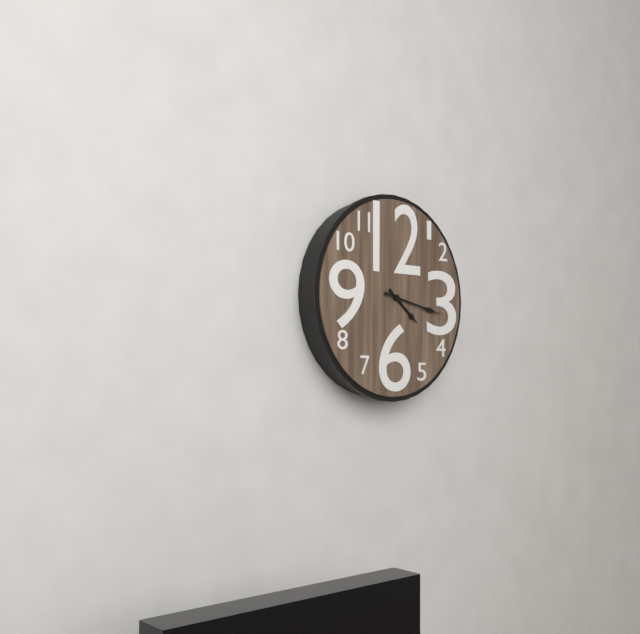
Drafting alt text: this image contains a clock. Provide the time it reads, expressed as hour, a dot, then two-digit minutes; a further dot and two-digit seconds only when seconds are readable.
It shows 4.17
